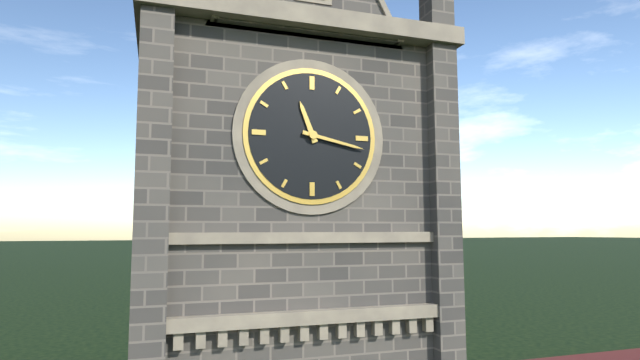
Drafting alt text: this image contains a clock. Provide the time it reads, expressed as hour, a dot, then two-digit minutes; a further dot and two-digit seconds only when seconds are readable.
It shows 11.17
